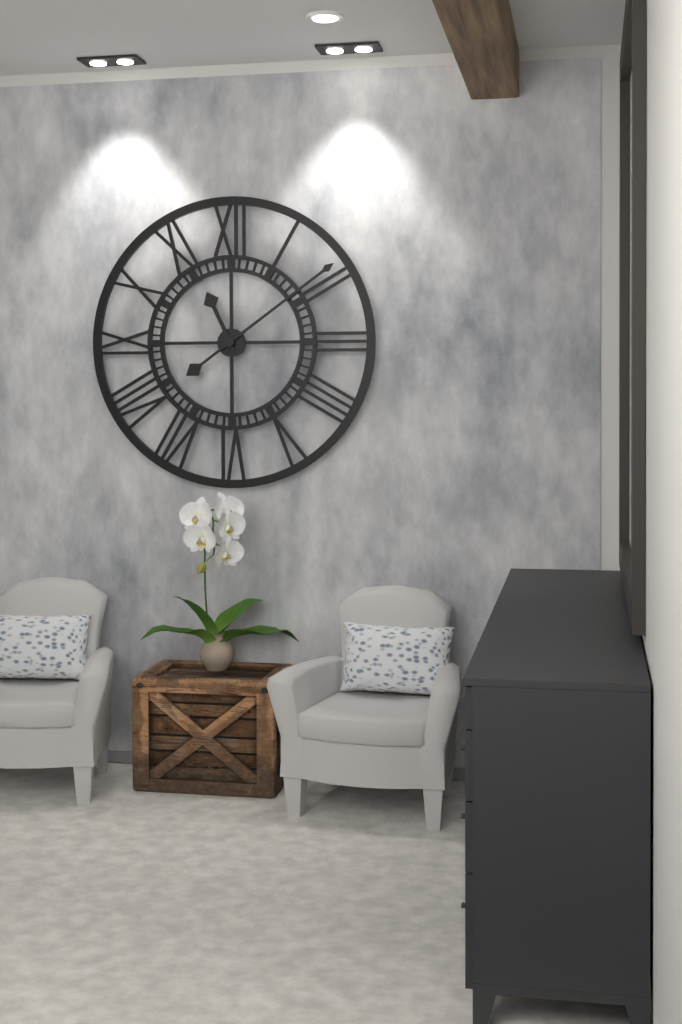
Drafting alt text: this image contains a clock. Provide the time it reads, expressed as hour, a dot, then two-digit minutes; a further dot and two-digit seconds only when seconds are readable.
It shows 11.09
